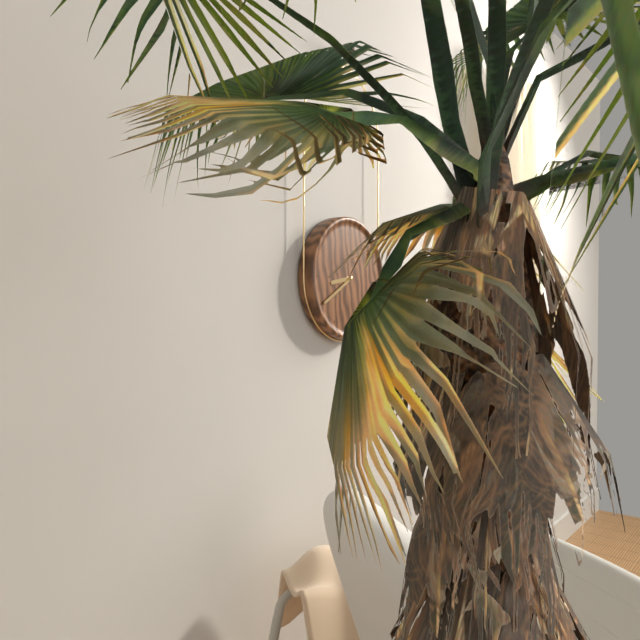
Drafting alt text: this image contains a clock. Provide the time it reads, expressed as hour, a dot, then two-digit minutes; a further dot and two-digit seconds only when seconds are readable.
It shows 8.40
